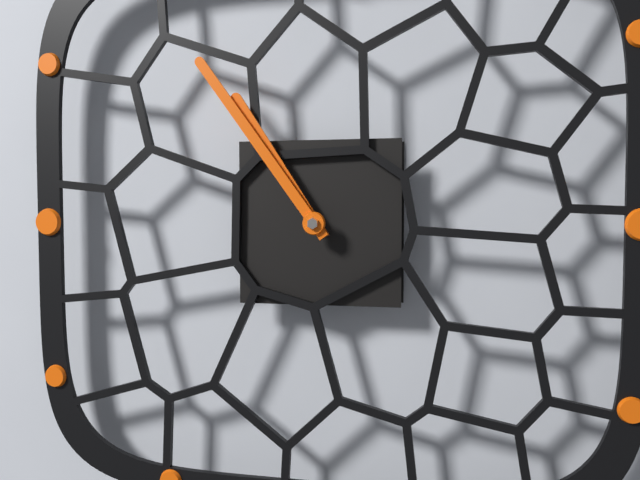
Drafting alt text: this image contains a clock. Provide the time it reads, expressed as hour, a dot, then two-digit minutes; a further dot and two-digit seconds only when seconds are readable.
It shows 10.54
